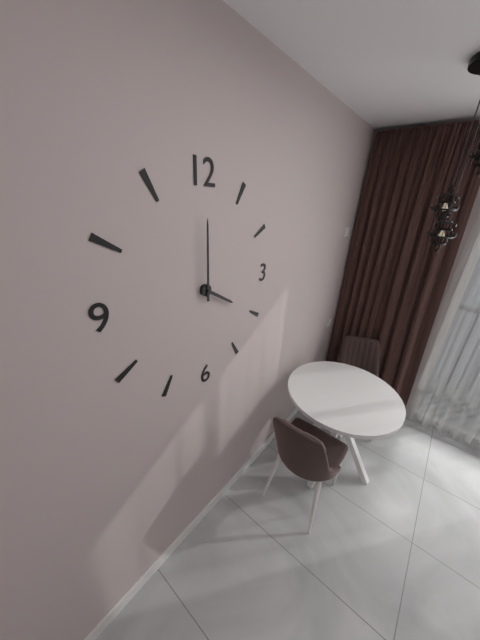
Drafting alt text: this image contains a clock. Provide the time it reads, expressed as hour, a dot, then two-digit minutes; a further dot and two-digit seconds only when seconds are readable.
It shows 4.00
